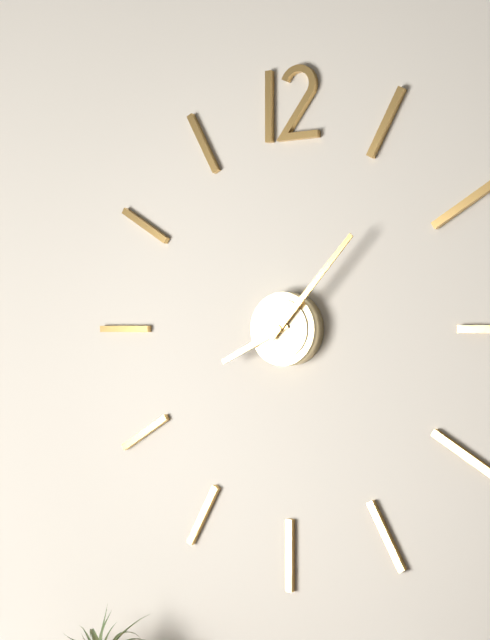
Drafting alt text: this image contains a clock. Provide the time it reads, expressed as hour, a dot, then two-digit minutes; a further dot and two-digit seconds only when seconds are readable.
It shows 8.07
